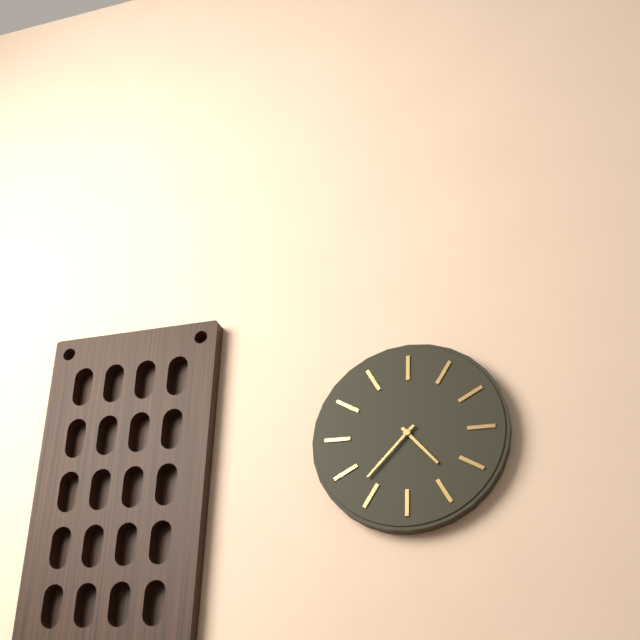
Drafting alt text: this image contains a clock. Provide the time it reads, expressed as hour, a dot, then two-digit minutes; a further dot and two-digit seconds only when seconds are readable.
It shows 4.37
